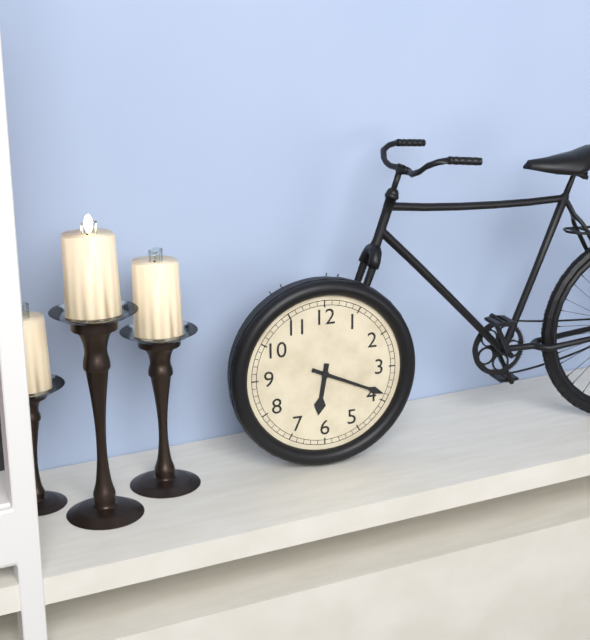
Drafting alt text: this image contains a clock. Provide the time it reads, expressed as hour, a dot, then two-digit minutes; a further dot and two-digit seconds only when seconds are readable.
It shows 6.19
